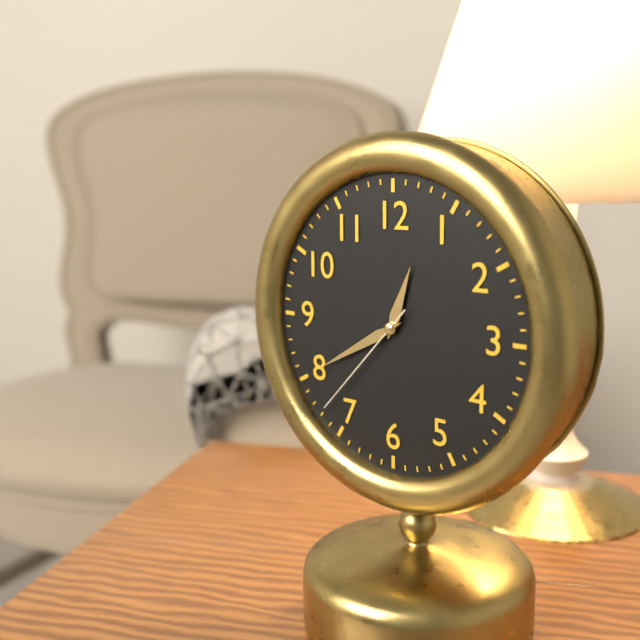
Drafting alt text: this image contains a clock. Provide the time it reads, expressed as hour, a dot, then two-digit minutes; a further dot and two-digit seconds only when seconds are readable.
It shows 12.40.37
